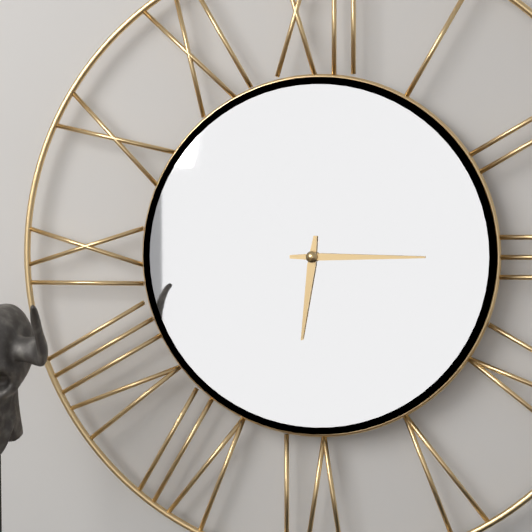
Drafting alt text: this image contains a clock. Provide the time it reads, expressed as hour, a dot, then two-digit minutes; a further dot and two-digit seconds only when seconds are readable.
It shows 6.15
